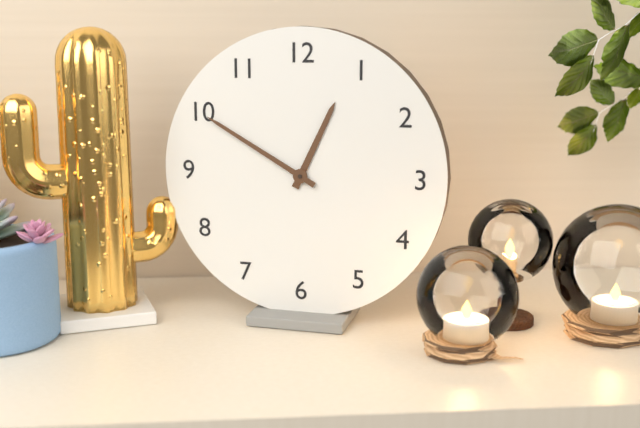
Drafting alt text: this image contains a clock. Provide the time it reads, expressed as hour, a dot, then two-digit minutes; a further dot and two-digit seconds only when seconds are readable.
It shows 12.50
